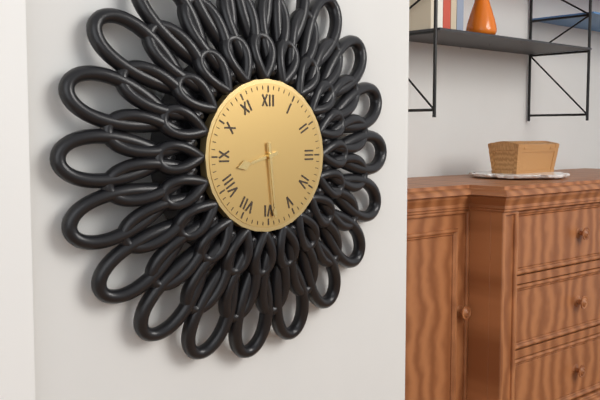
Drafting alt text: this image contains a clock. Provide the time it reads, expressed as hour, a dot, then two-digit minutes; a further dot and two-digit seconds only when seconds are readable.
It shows 8.29
